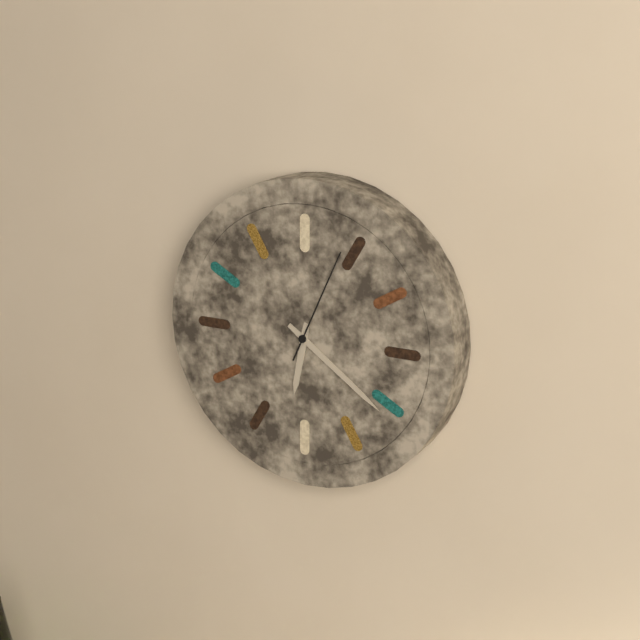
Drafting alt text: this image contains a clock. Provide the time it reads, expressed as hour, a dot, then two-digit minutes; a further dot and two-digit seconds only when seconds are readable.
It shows 6.21.04
